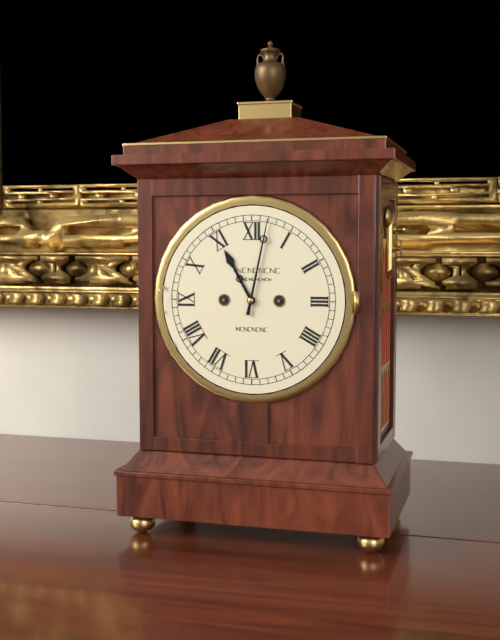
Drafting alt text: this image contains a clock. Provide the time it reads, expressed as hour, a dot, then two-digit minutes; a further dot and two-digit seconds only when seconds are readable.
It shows 11.02
